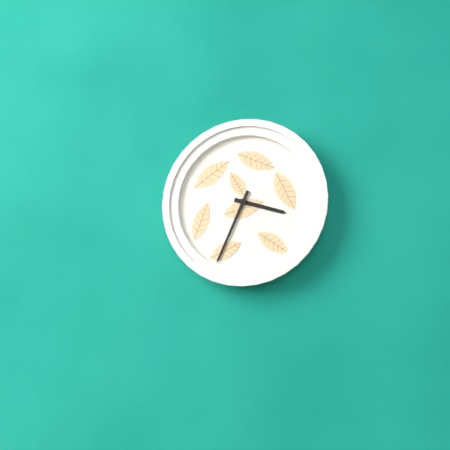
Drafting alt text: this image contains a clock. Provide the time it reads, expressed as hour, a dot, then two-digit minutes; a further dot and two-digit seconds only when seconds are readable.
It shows 3.34
